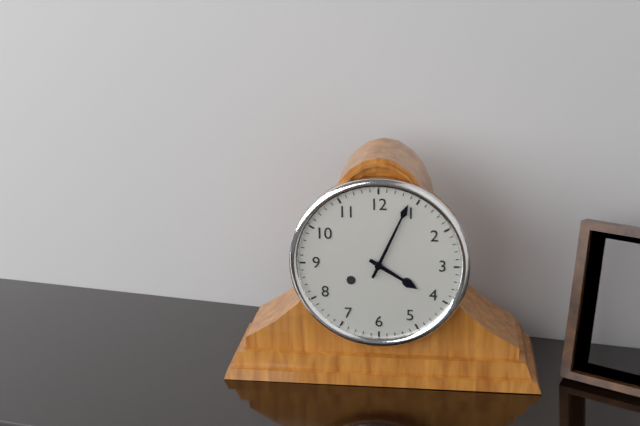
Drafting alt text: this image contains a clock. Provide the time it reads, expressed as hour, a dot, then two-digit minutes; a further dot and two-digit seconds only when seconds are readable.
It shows 4.04
